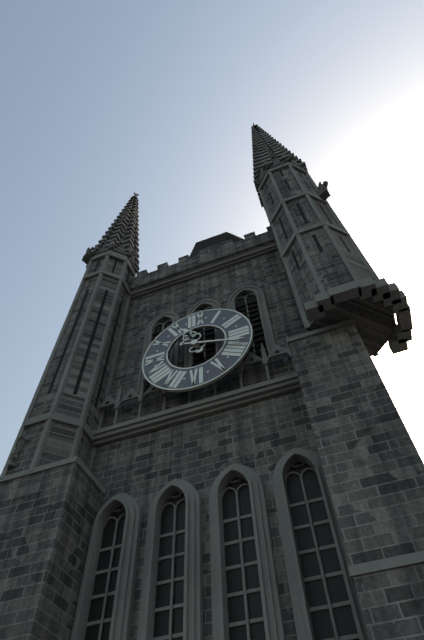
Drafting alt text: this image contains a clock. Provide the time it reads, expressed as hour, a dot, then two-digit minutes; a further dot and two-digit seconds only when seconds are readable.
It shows 11.18
